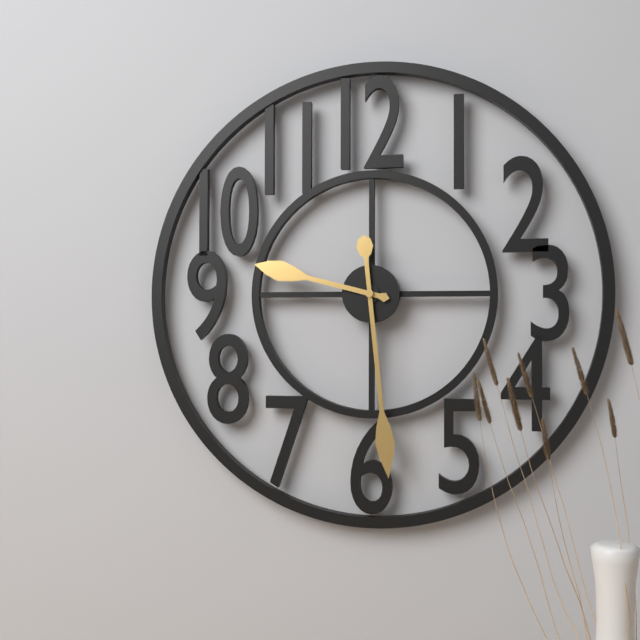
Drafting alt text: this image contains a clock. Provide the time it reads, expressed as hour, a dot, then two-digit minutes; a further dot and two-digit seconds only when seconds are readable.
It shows 9.29
